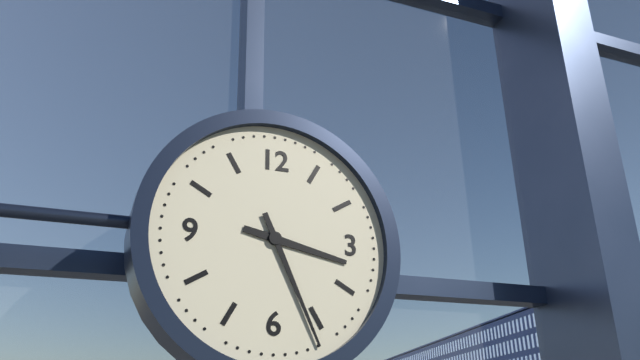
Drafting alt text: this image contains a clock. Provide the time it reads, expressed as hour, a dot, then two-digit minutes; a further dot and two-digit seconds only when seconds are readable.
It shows 3.26
